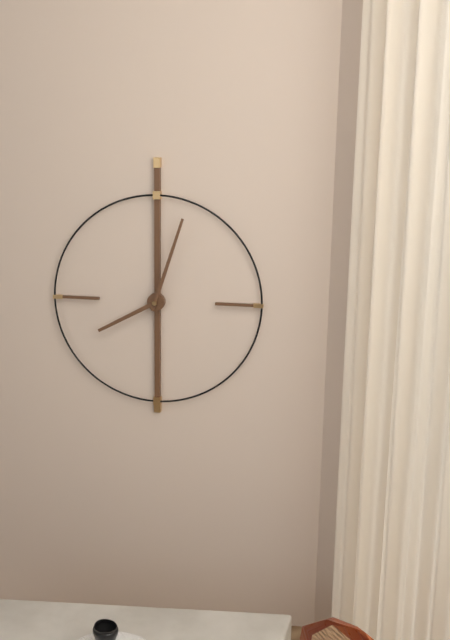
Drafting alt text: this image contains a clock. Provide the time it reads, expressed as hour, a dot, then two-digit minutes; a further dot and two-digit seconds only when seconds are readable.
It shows 8.03
